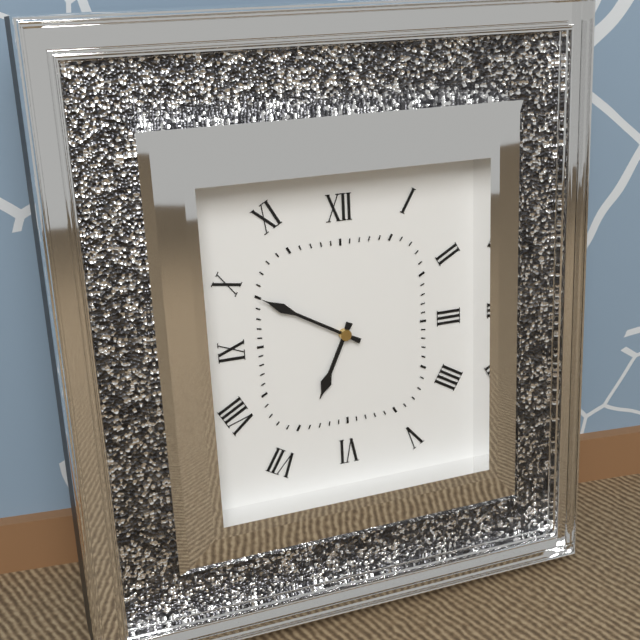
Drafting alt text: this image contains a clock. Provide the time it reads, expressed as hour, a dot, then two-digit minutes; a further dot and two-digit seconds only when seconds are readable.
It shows 6.50
